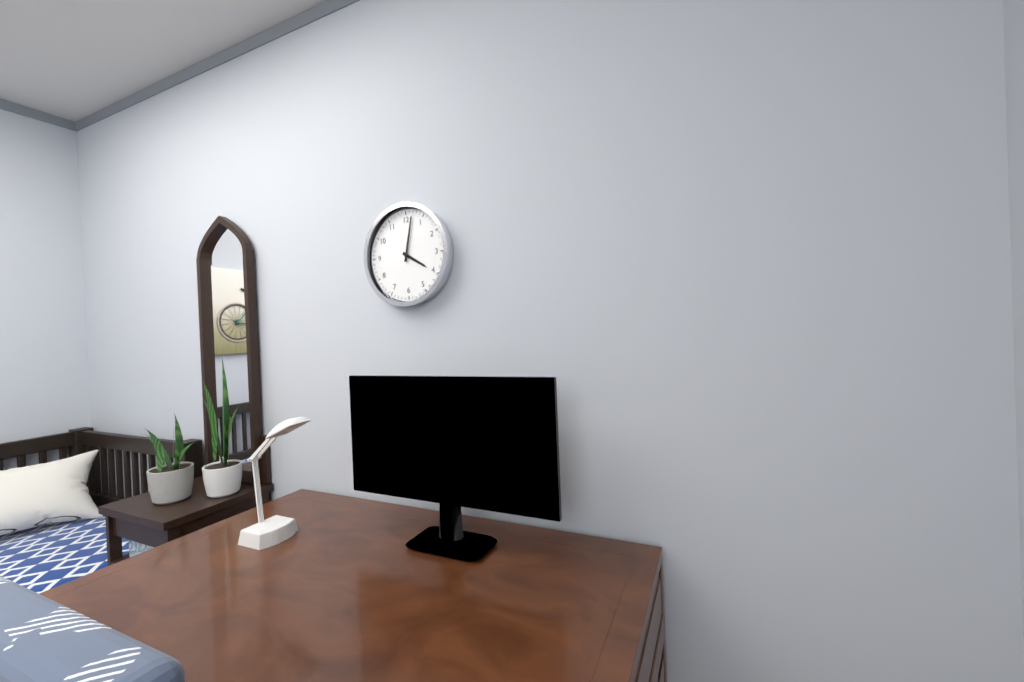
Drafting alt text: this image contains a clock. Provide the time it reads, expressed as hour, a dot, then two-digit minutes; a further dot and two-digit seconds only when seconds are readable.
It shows 4.02
